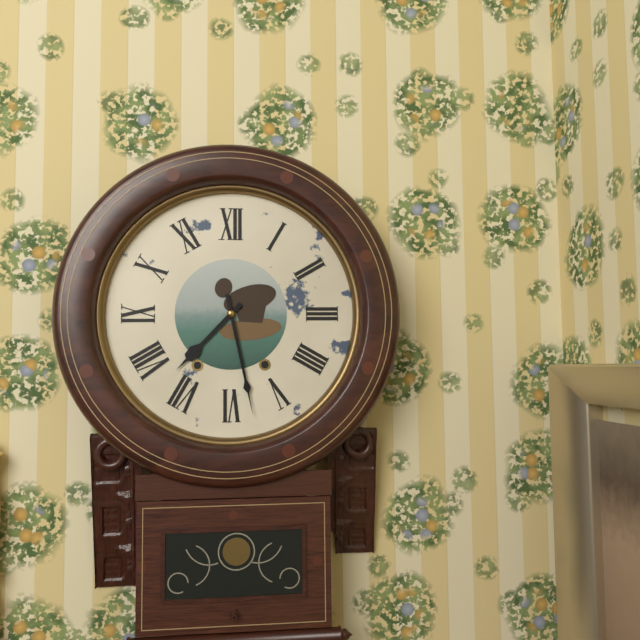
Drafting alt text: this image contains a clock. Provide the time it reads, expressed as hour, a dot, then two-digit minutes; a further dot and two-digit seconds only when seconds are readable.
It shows 7.28
